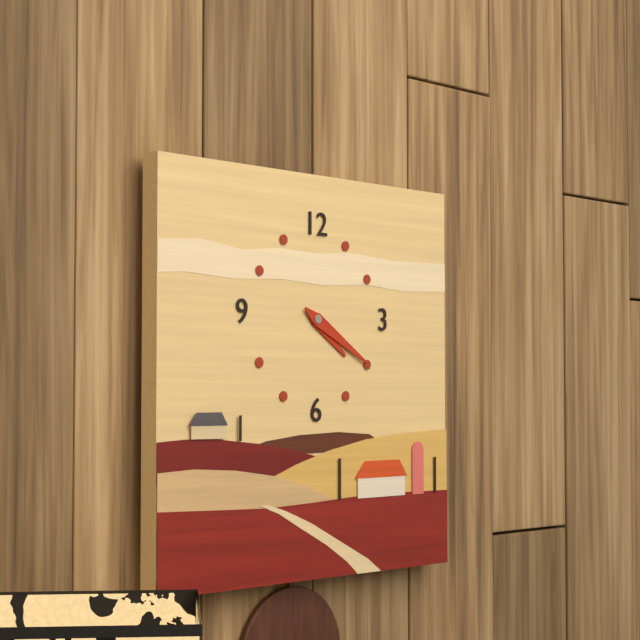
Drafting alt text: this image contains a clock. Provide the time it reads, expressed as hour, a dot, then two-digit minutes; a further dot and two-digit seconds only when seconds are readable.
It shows 4.20
